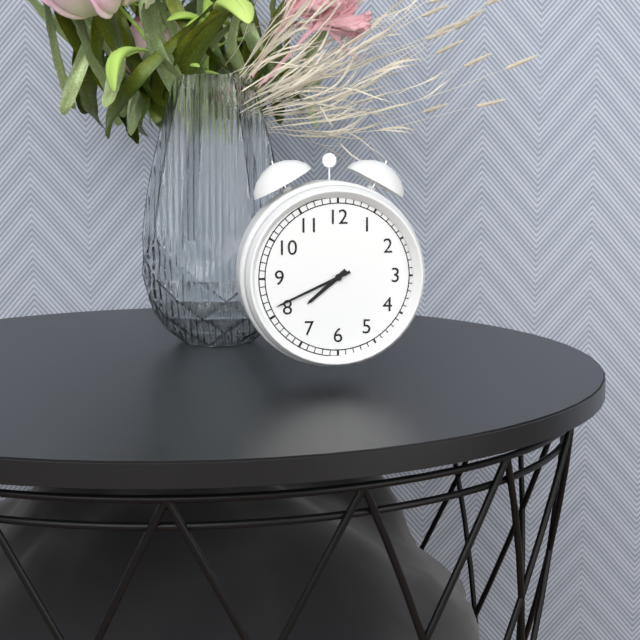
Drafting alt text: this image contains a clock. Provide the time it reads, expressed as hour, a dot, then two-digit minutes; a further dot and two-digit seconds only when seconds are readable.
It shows 7.41
